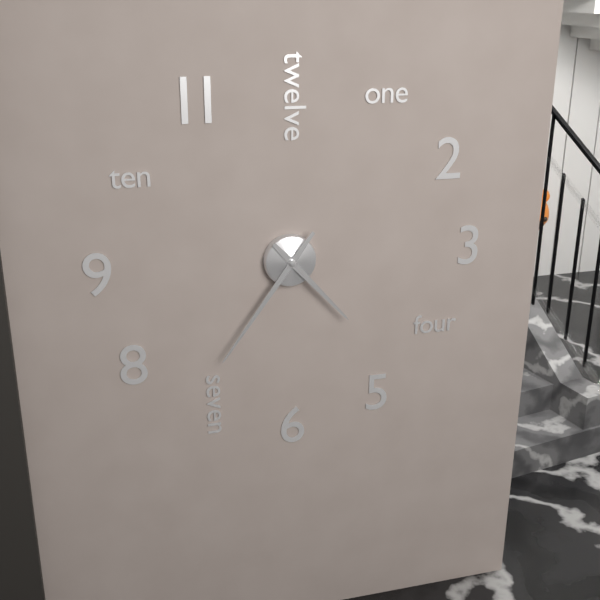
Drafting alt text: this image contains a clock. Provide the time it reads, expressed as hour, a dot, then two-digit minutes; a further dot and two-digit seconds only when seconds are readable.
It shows 4.36
